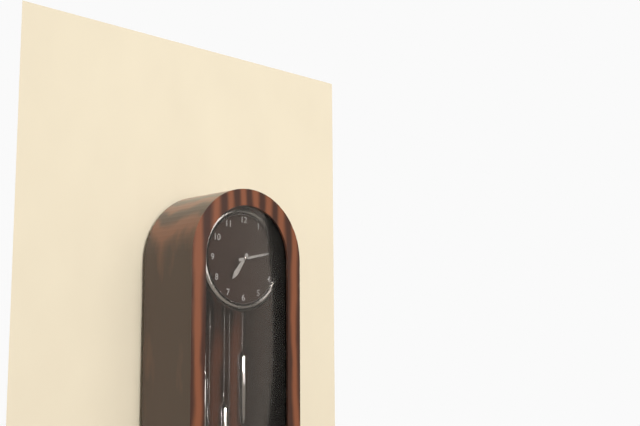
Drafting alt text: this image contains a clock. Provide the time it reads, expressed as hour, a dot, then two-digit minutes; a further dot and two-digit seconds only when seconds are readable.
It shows 7.13
